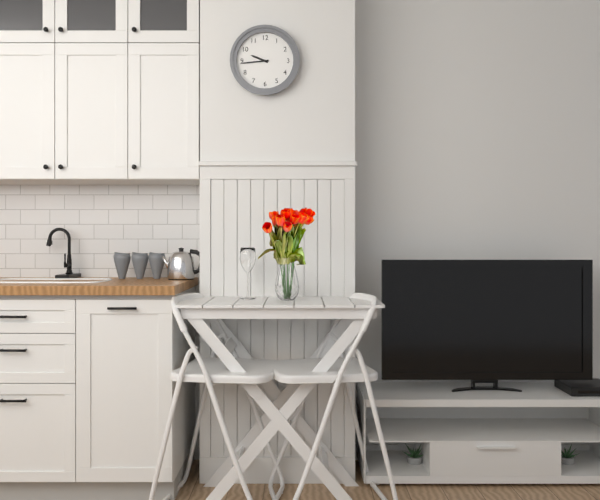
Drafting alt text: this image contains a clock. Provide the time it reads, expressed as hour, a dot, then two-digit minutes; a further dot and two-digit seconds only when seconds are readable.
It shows 9.44
